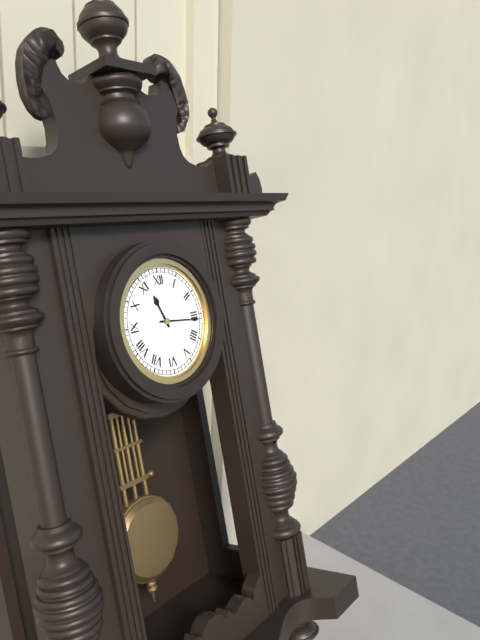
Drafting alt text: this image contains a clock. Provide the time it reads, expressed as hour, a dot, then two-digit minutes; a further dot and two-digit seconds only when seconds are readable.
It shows 11.16
